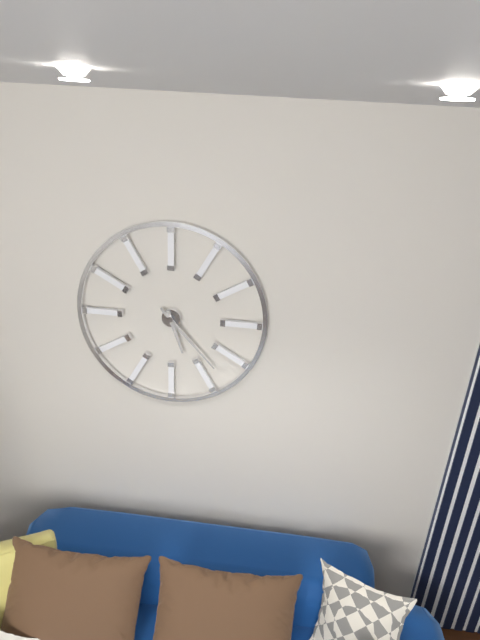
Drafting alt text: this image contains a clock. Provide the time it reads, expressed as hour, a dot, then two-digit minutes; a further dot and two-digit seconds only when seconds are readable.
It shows 5.23
